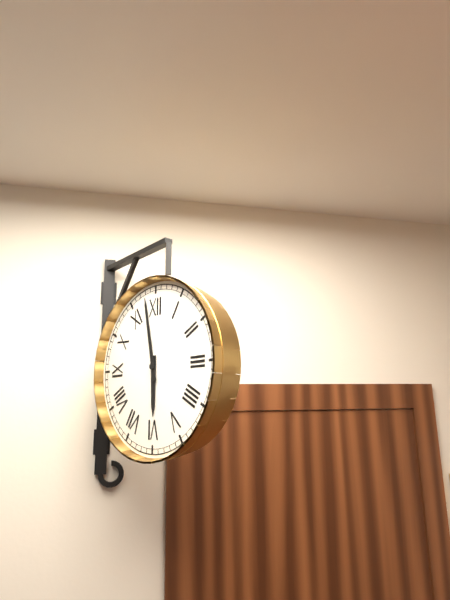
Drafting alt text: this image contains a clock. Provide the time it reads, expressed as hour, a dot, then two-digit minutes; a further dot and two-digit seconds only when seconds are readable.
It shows 5.58
